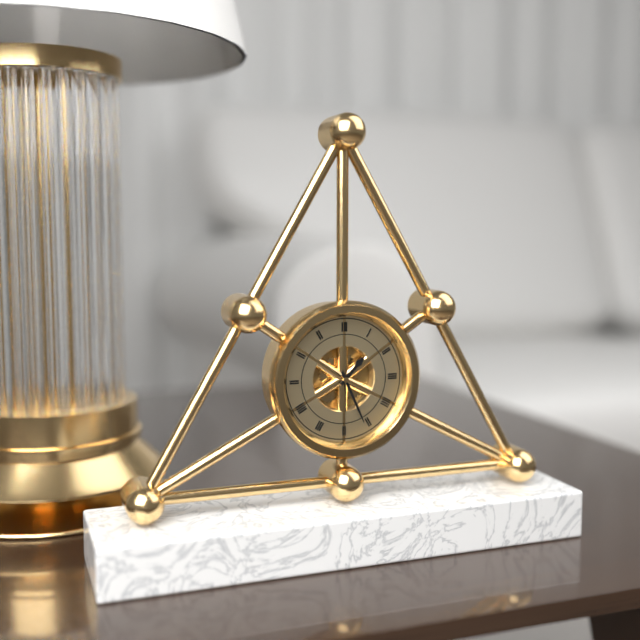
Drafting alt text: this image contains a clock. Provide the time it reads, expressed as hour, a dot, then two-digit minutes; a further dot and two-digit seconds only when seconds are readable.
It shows 1.26
